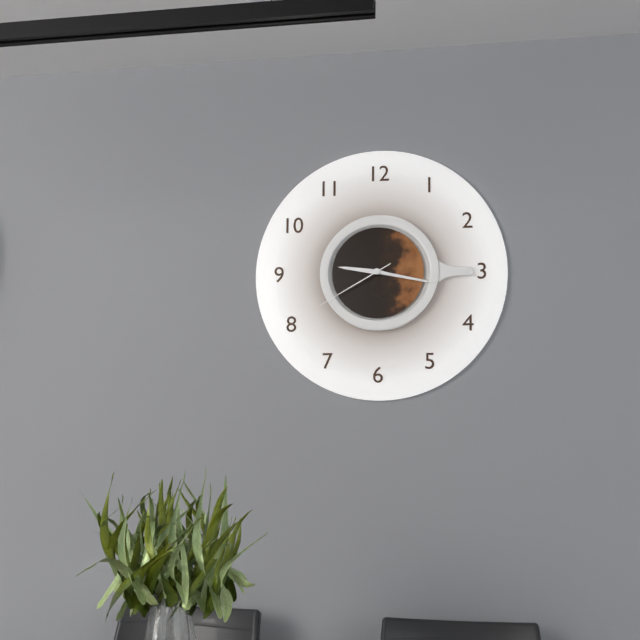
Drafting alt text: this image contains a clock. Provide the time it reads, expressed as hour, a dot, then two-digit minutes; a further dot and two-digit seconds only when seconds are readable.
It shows 9.17.40
